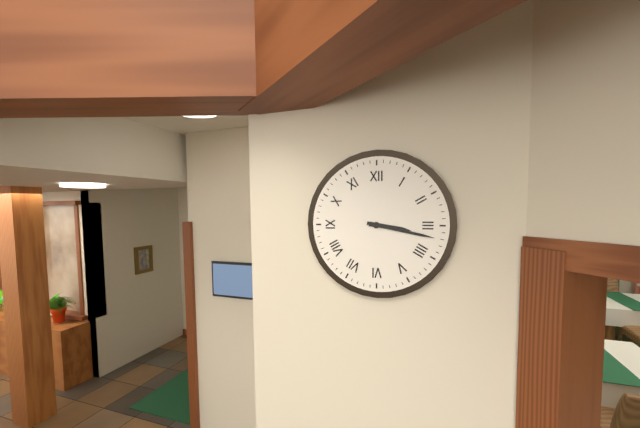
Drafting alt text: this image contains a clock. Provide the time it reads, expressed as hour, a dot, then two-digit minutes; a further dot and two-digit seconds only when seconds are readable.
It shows 3.17
